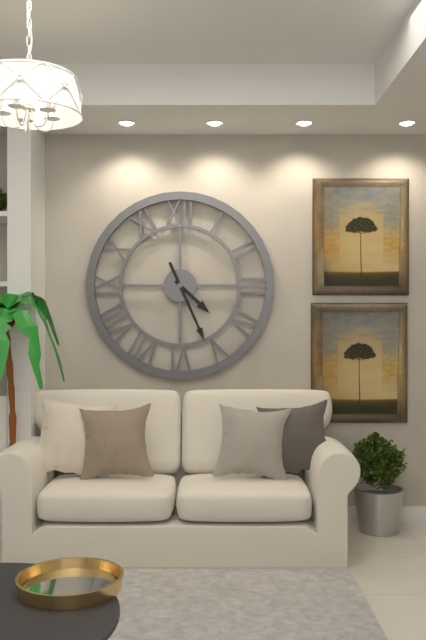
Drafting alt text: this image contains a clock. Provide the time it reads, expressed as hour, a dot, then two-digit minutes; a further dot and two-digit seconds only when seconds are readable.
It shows 4.26
